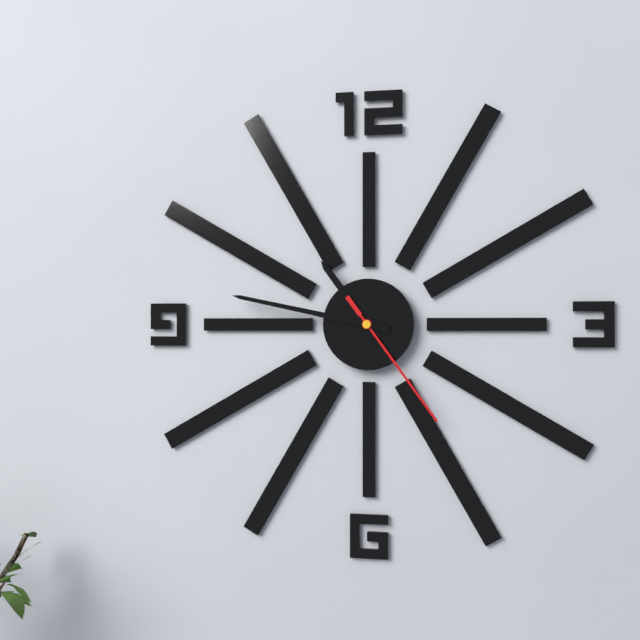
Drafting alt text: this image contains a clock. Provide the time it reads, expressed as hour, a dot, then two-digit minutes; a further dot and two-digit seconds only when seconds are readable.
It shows 10.47.24
